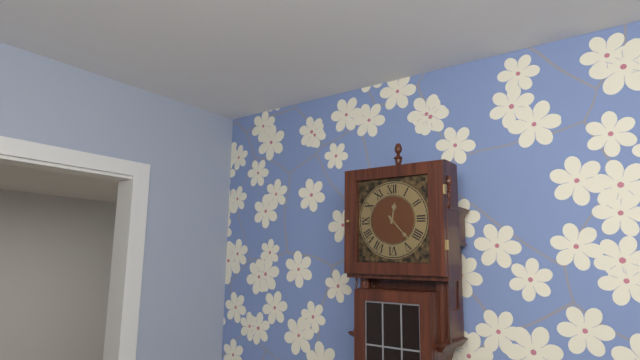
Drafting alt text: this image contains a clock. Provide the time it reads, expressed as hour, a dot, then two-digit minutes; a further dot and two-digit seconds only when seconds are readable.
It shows 12.23
